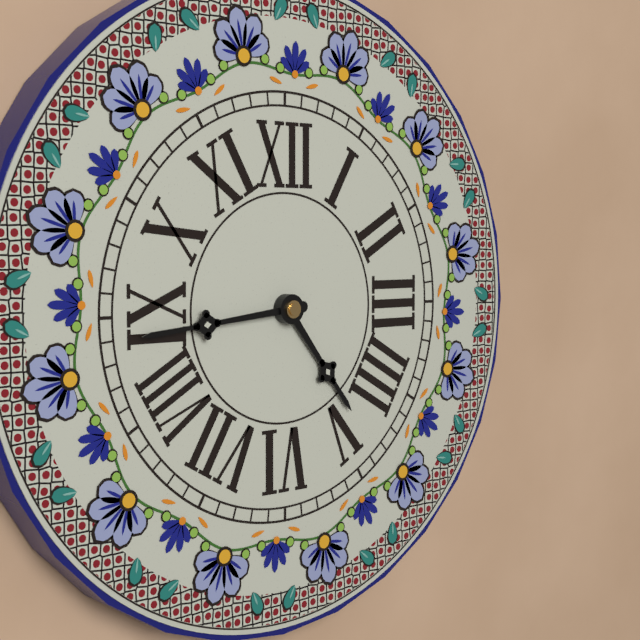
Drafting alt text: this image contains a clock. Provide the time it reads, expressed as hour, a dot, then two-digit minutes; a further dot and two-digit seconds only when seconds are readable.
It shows 4.44
